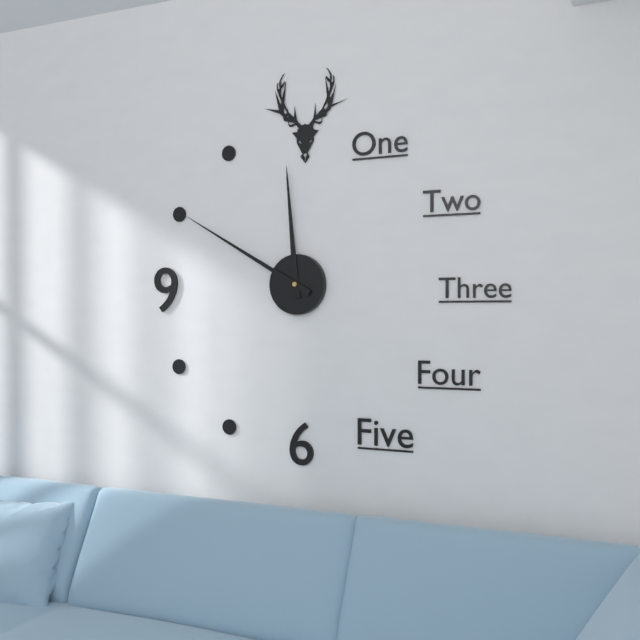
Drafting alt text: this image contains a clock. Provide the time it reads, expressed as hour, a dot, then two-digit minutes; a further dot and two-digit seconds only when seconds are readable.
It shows 11.50
